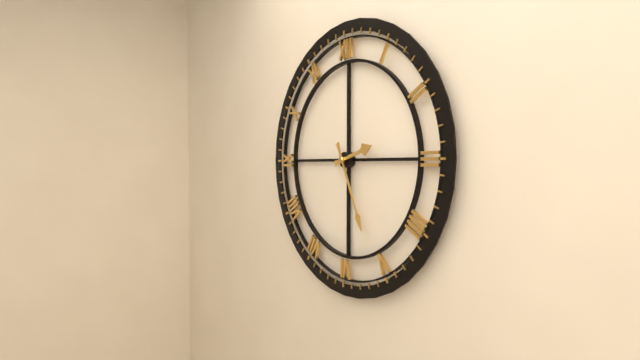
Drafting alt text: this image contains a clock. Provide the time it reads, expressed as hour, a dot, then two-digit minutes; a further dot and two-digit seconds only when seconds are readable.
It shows 2.26
